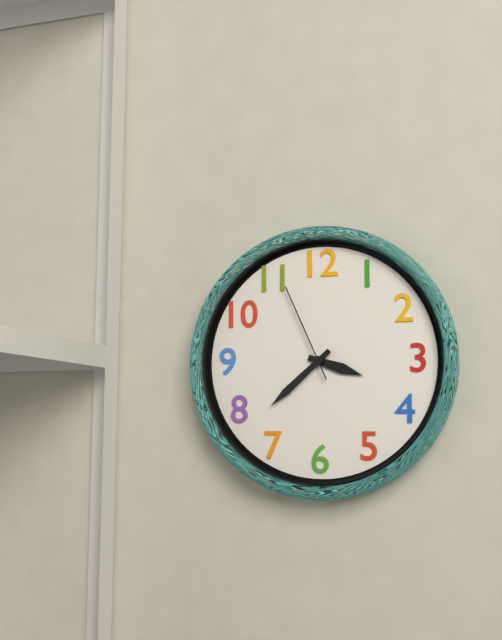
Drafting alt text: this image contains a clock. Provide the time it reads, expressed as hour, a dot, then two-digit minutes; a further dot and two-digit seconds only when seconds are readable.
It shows 3.38.56
